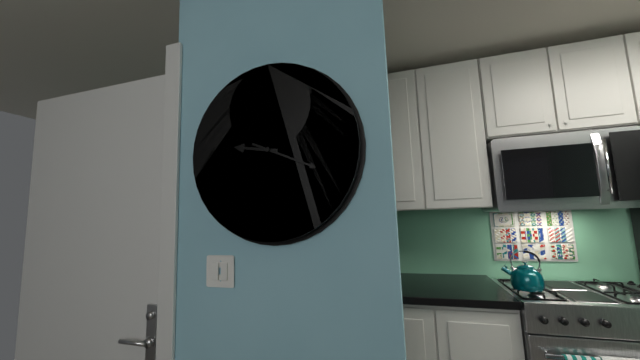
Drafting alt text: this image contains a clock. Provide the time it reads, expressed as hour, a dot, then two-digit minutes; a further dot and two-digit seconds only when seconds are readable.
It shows 9.19
